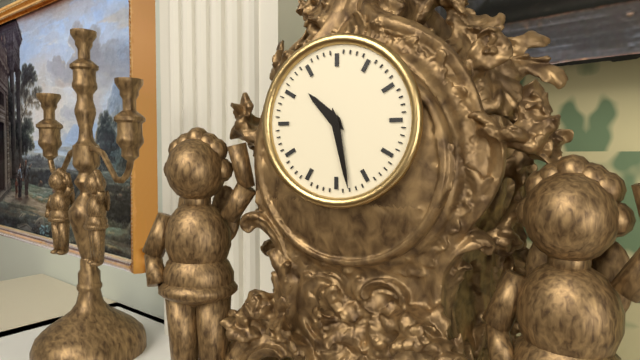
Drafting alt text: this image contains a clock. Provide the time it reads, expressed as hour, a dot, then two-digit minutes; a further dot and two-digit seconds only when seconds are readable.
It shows 10.28
